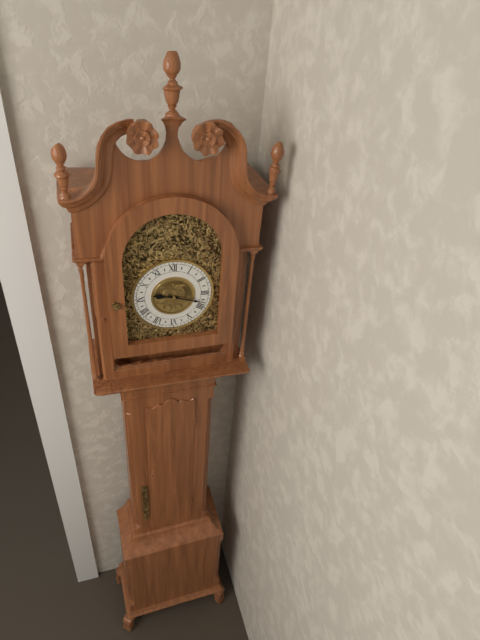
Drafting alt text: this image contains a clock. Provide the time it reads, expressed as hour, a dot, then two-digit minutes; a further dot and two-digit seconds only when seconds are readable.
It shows 9.18
